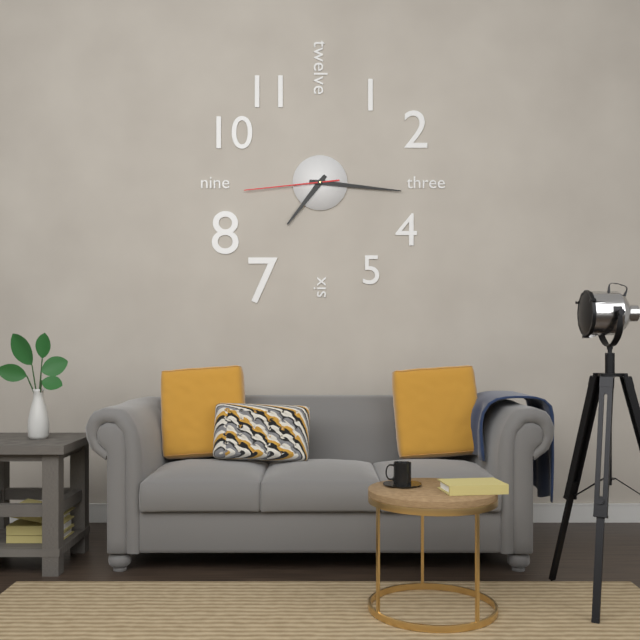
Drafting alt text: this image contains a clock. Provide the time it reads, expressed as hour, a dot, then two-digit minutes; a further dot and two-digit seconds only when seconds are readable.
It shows 7.16.44
